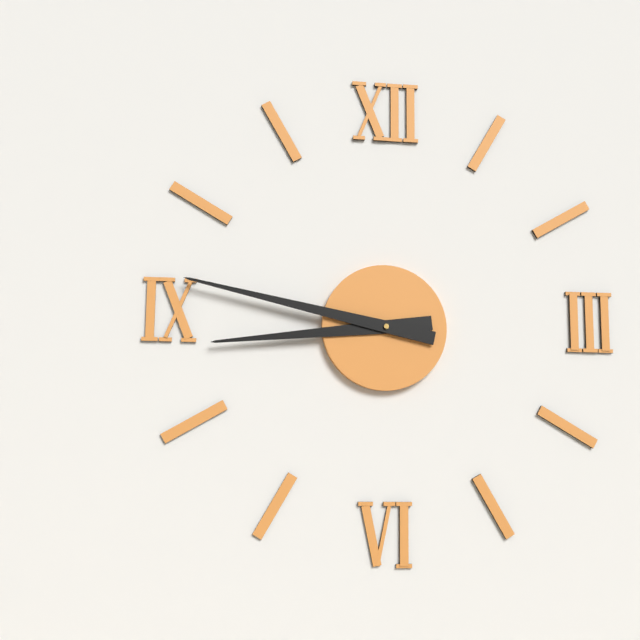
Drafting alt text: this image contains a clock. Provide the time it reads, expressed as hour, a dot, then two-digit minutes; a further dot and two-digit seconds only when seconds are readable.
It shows 8.47
